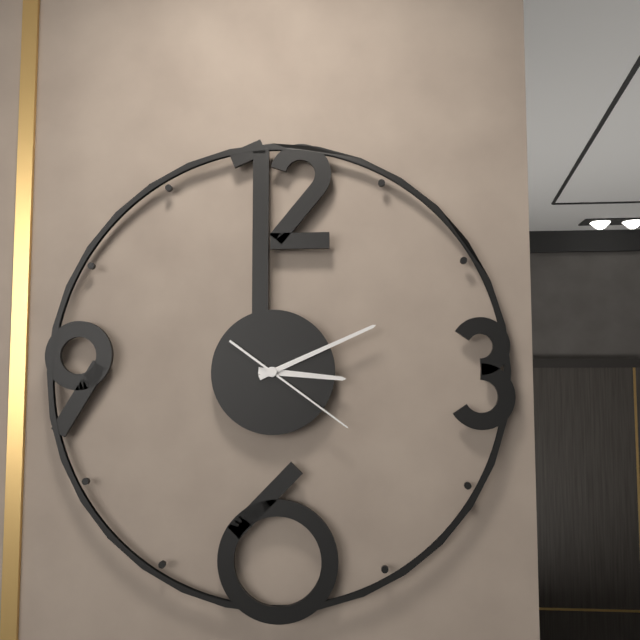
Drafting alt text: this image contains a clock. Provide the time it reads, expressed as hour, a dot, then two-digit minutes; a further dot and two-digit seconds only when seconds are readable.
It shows 3.11.21
